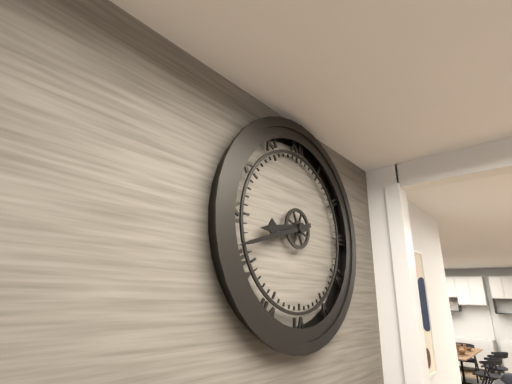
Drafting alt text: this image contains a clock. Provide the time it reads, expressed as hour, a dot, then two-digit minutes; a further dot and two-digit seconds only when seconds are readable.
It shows 8.42
